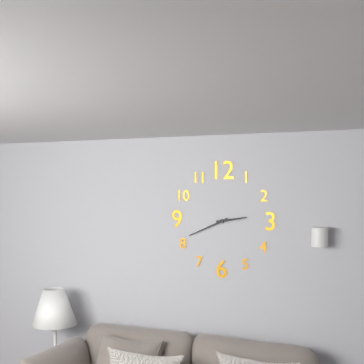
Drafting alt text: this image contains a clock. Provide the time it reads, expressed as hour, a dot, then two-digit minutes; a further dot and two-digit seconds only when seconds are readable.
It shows 2.41
